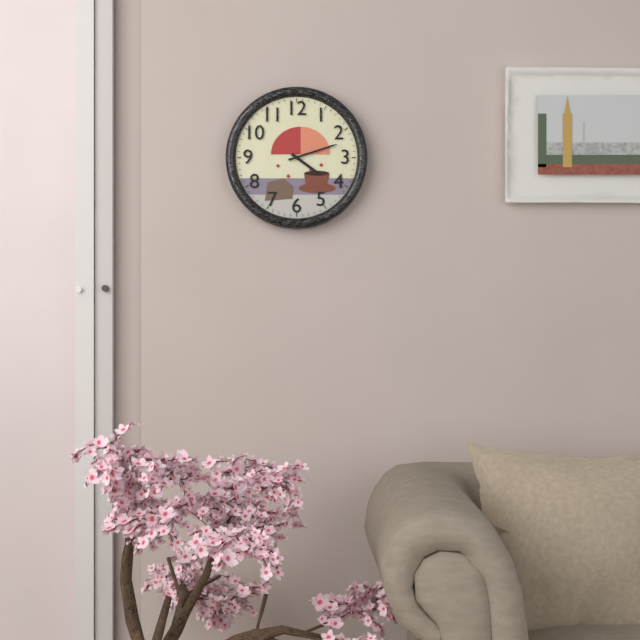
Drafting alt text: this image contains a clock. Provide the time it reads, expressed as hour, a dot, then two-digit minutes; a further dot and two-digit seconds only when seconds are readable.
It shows 4.12
